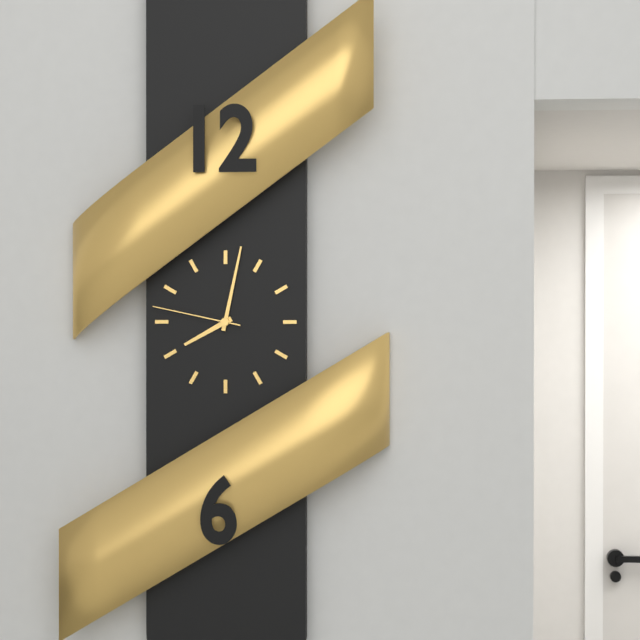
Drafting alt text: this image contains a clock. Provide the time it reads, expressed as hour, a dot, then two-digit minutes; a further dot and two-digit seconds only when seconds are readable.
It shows 8.02.47
